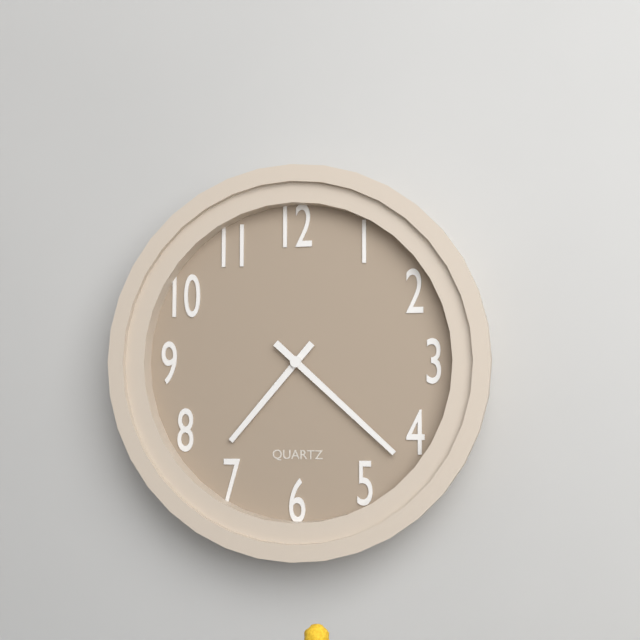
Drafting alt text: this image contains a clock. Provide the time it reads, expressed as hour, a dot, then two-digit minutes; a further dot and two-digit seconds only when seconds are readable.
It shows 7.22
